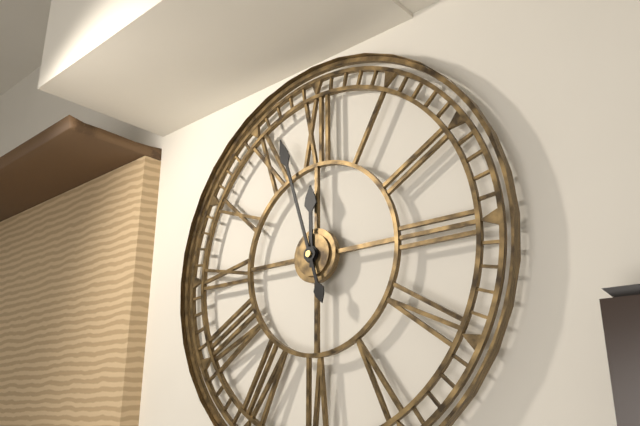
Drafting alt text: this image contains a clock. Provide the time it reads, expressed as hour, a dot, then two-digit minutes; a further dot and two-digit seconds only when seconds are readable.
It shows 11.57
